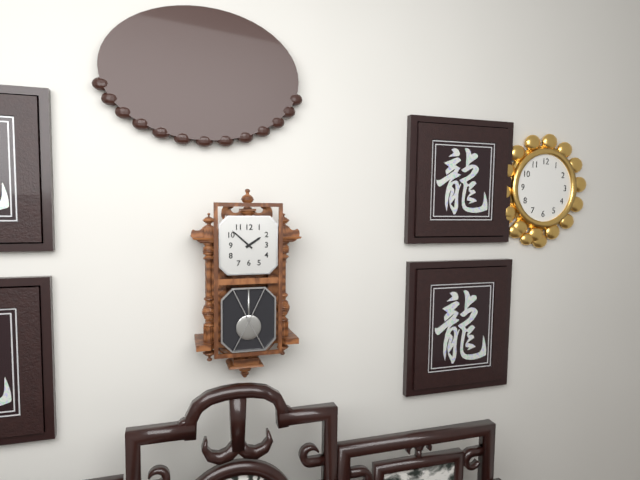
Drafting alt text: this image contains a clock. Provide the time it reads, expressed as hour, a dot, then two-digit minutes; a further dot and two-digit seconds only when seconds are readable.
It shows 1.52
